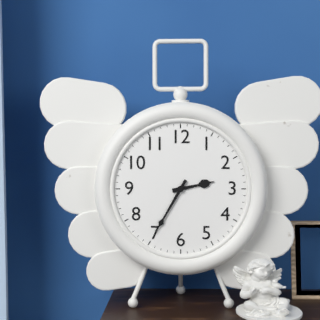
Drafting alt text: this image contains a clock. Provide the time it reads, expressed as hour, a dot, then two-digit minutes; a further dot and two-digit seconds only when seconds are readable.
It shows 2.35
